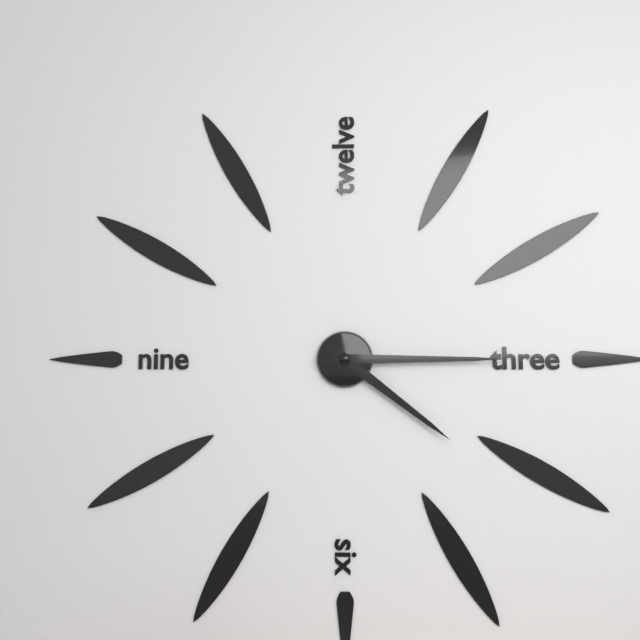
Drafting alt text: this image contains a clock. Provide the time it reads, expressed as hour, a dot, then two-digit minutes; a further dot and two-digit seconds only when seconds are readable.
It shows 4.15
